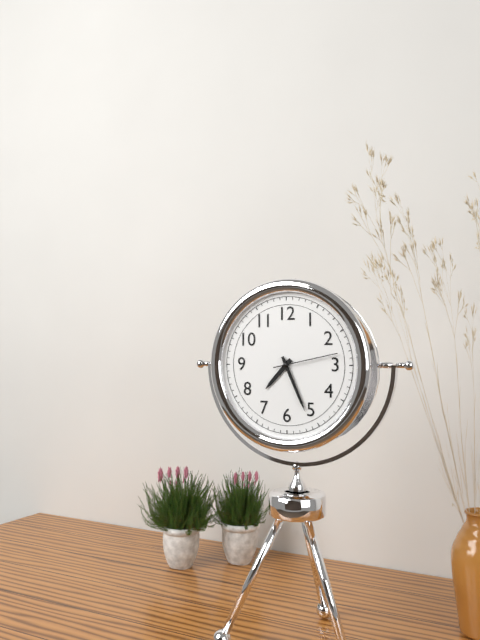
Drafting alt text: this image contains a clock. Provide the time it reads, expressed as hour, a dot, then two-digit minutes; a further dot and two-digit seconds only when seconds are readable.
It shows 7.26.13
